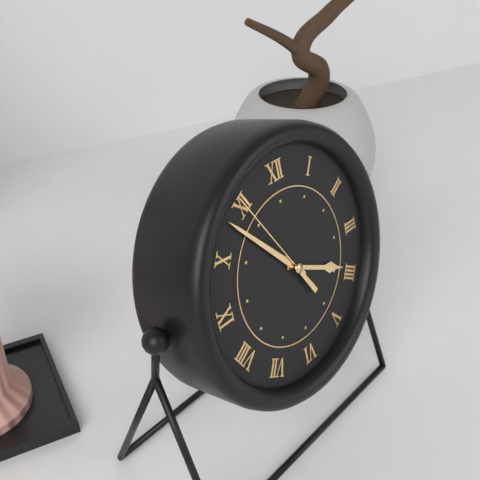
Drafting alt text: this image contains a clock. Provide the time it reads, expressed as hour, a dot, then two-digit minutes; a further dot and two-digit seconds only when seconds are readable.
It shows 3.53.55
